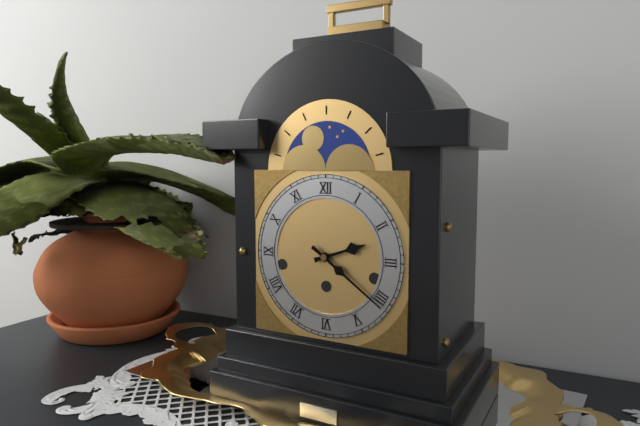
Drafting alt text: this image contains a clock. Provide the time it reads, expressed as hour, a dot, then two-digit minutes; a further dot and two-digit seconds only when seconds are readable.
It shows 2.21
